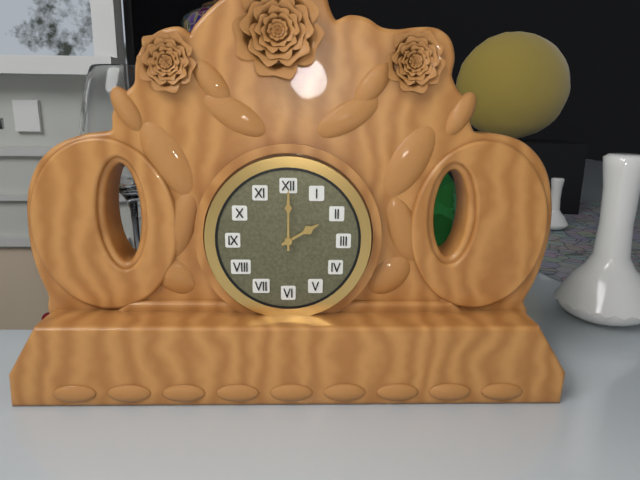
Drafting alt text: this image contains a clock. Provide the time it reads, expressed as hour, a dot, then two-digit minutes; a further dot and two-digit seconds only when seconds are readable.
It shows 2.00
